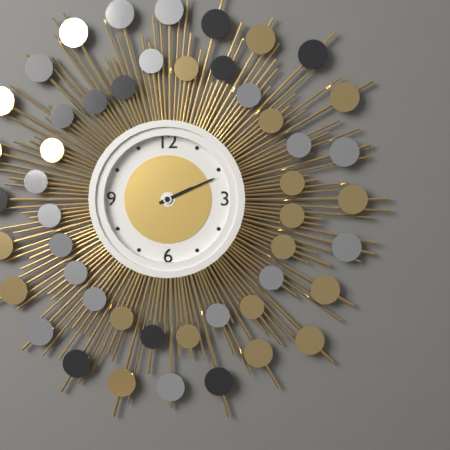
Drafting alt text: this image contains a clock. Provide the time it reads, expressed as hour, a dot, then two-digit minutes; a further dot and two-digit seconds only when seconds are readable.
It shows 2.11
